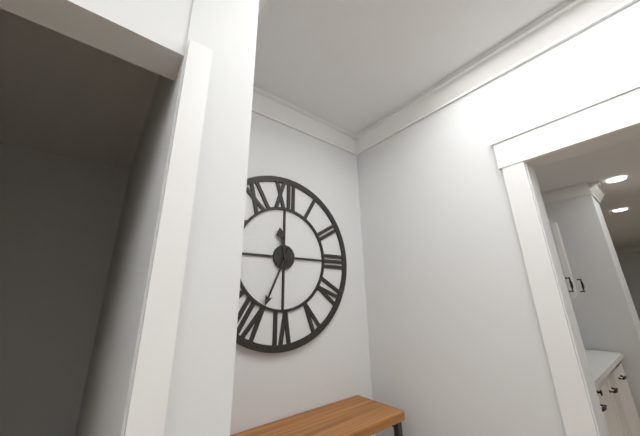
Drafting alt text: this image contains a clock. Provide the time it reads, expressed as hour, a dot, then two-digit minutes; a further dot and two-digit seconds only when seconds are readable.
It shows 11.34
